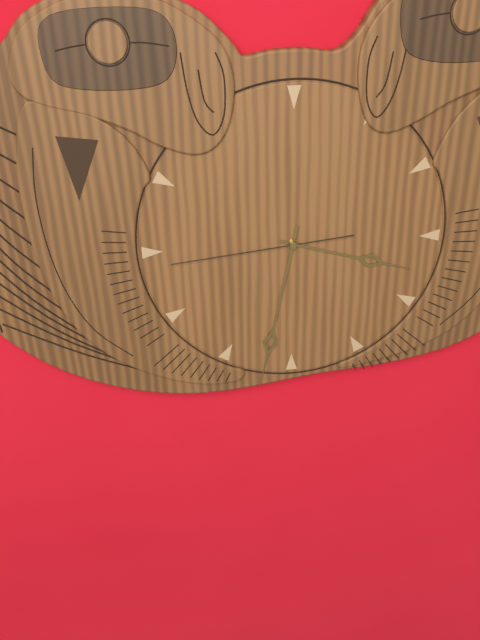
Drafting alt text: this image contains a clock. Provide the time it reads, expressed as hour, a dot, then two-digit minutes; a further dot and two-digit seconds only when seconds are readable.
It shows 3.32.44
